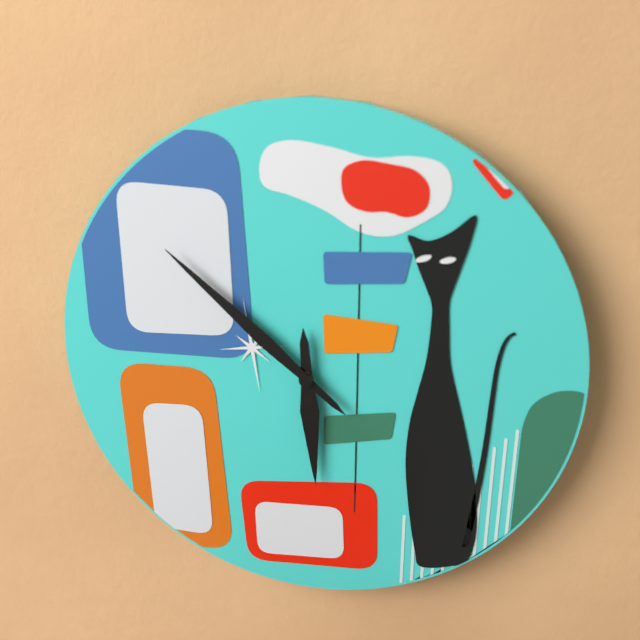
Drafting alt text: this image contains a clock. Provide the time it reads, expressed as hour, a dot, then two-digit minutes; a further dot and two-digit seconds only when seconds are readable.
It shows 5.52
